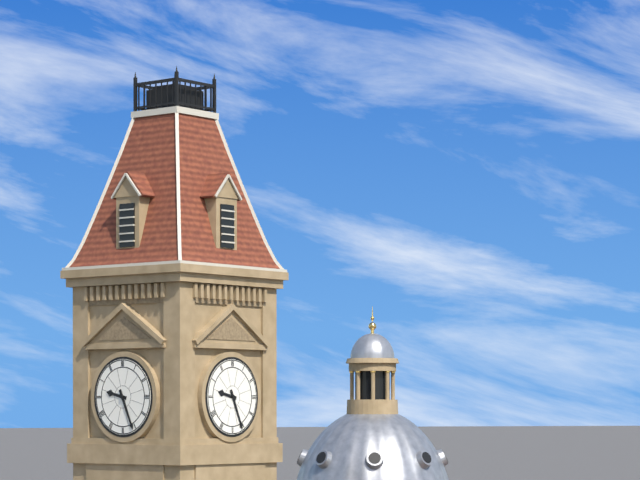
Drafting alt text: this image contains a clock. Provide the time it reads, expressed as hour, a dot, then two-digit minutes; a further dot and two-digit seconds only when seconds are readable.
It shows 9.26
